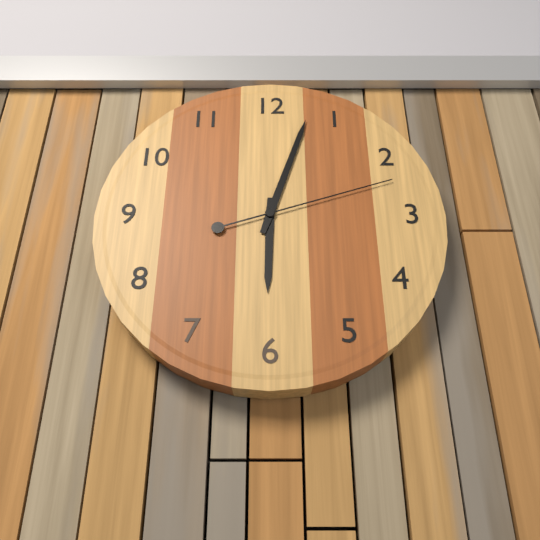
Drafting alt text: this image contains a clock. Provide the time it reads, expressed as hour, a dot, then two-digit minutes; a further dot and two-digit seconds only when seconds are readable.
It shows 6.03.12
